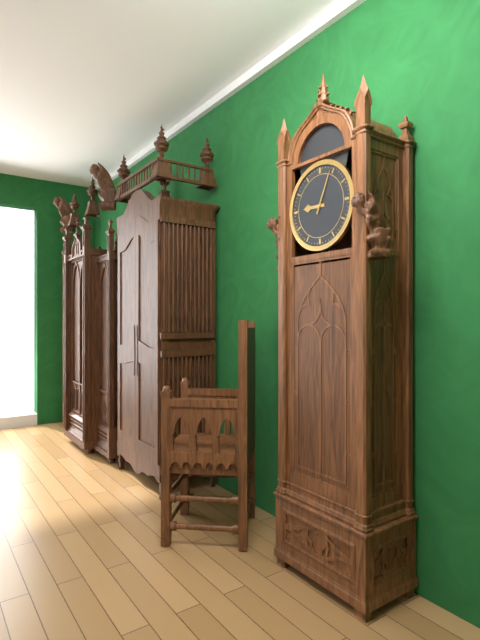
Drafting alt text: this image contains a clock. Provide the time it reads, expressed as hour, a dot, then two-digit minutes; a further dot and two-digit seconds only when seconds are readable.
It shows 9.04
